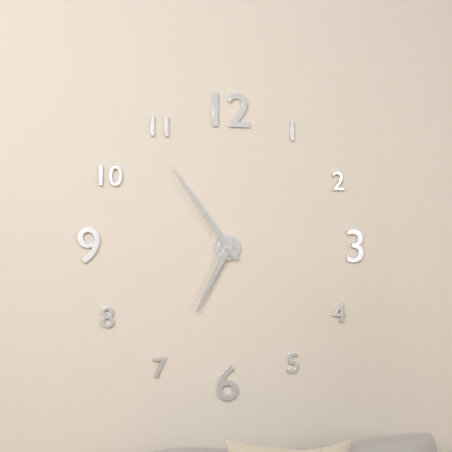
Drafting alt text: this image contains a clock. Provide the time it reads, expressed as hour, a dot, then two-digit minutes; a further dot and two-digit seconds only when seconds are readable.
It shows 6.54
